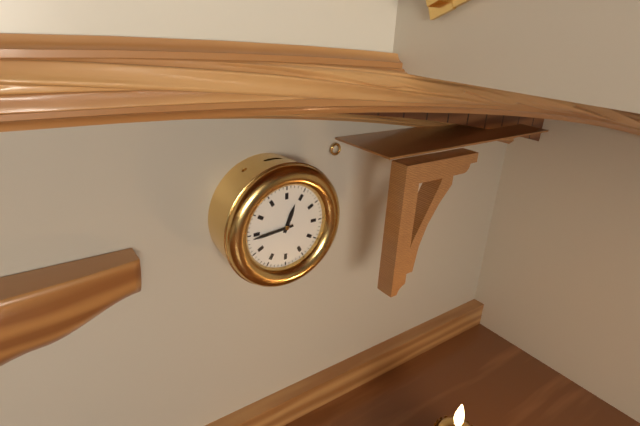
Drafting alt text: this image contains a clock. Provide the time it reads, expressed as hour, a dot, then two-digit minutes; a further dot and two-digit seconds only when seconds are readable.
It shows 12.44
